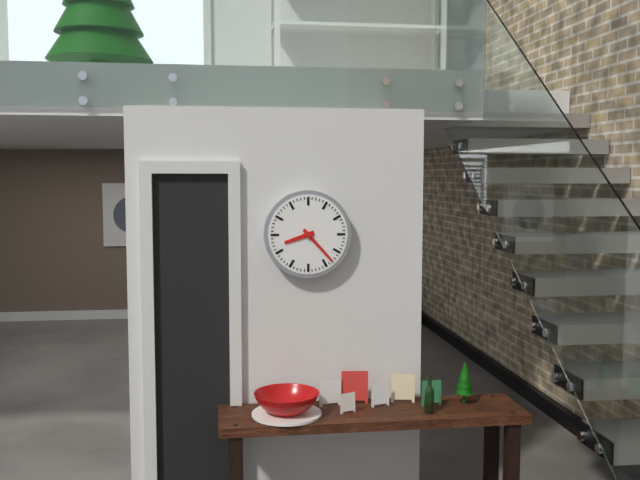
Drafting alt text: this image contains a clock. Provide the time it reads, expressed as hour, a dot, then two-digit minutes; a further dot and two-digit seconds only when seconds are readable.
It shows 8.23
